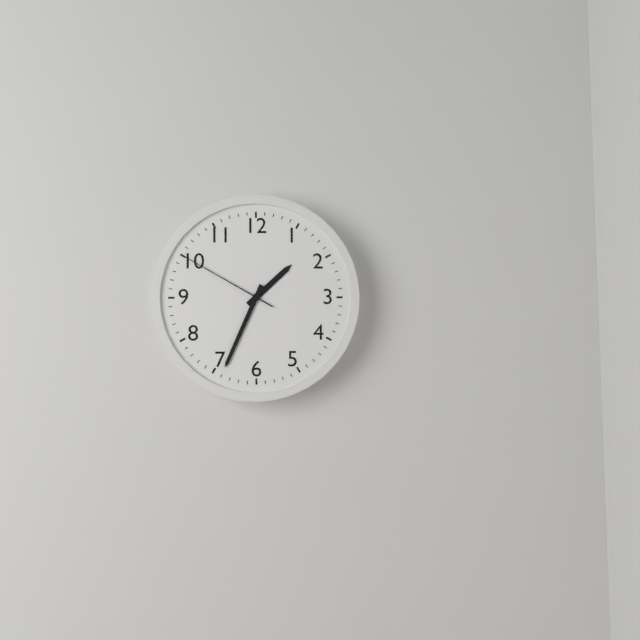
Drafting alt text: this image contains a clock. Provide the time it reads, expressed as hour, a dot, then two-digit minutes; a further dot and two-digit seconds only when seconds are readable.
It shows 1.34.50
